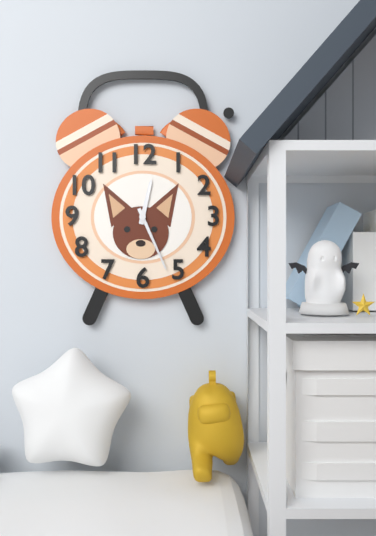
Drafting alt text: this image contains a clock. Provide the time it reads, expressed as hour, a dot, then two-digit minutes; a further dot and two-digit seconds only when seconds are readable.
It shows 12.26
